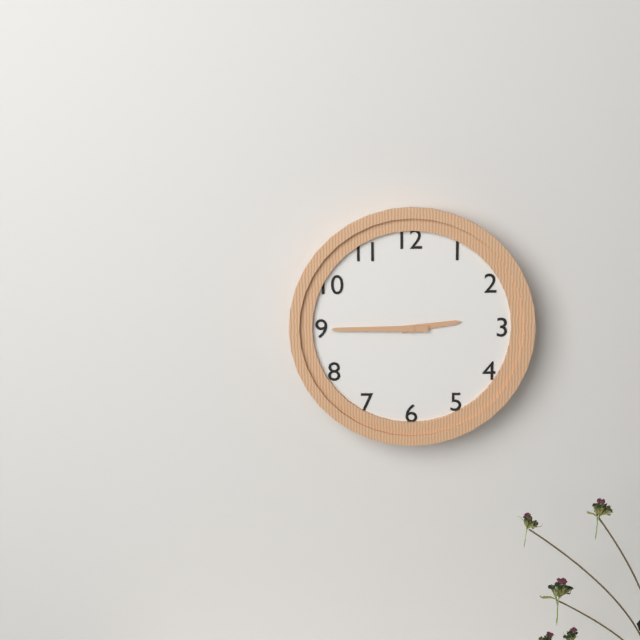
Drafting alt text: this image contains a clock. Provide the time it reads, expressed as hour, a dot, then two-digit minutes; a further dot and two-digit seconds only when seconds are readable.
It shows 2.45
